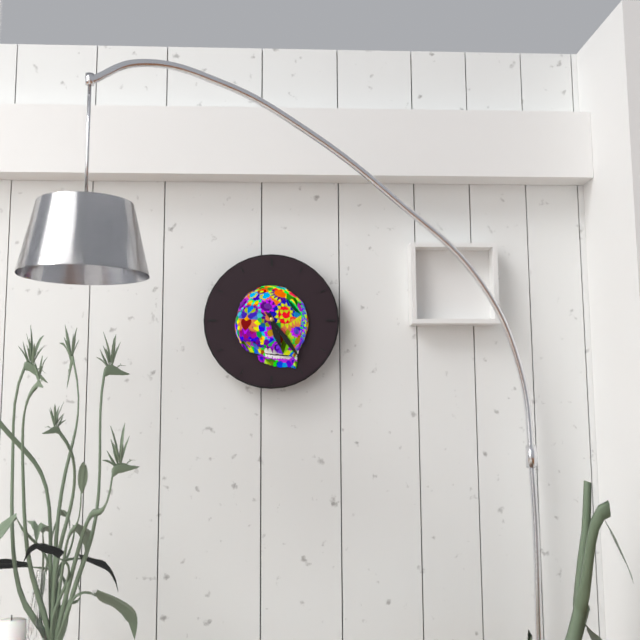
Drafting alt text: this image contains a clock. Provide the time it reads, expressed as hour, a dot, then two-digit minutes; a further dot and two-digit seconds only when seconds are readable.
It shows 5.24
